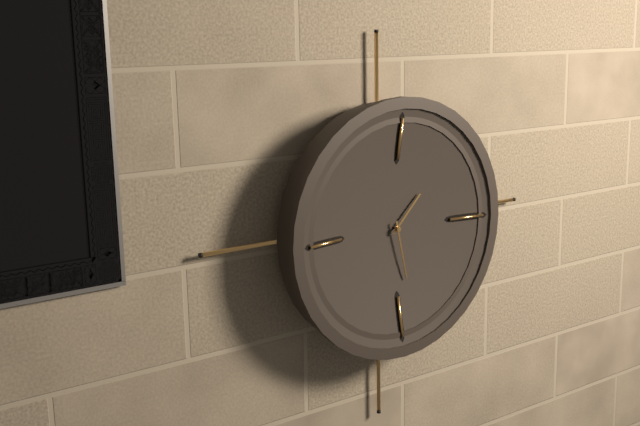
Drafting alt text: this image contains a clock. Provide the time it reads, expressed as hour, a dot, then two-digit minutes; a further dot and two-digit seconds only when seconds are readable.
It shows 1.28
